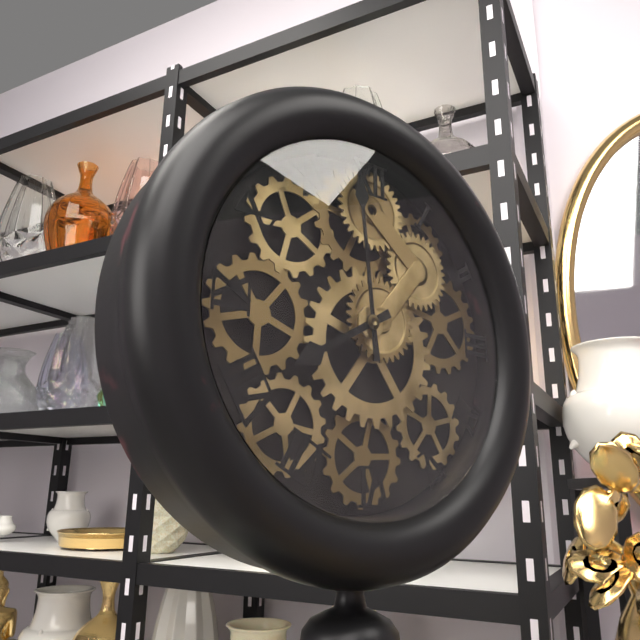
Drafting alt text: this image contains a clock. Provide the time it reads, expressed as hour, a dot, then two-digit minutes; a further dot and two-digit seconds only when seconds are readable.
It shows 7.59
